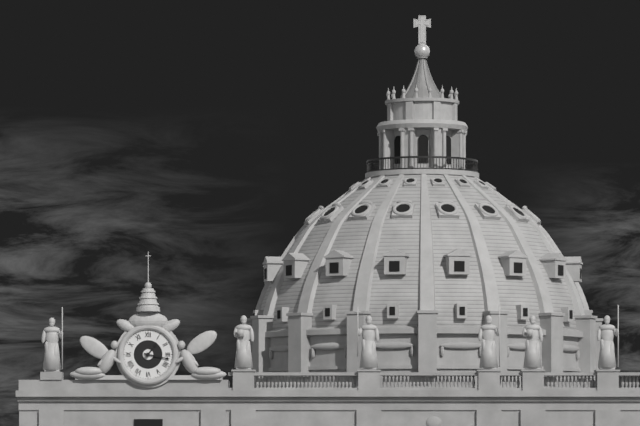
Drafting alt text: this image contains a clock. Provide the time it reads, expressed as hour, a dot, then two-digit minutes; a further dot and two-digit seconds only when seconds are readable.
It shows 1.17
